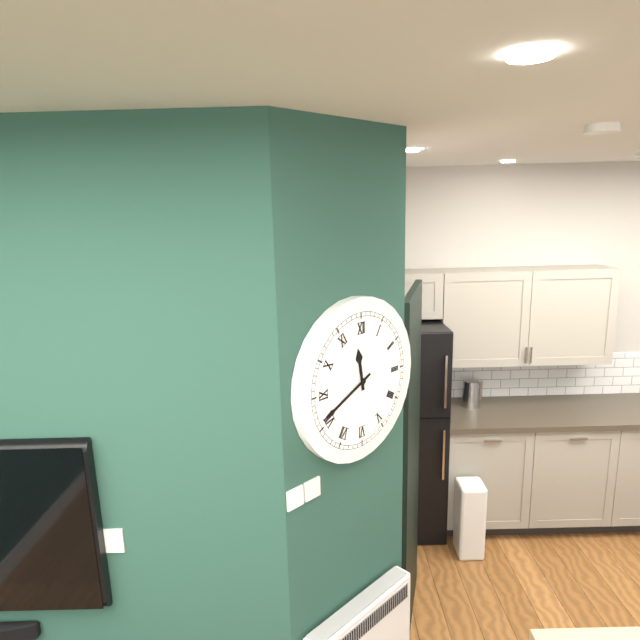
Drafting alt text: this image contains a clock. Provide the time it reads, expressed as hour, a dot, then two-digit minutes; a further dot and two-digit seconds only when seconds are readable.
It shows 11.41
